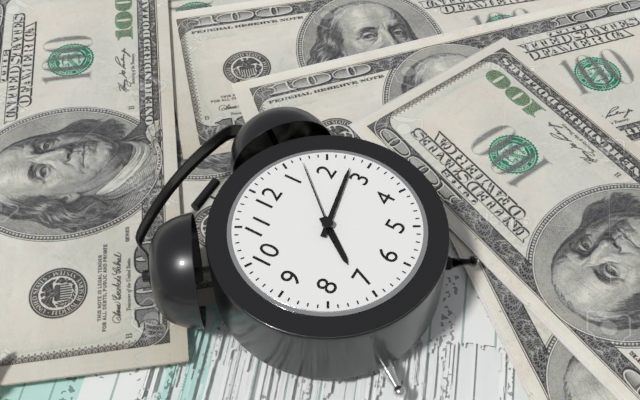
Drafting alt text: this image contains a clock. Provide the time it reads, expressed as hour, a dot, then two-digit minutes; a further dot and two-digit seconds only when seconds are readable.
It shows 7.13.07
